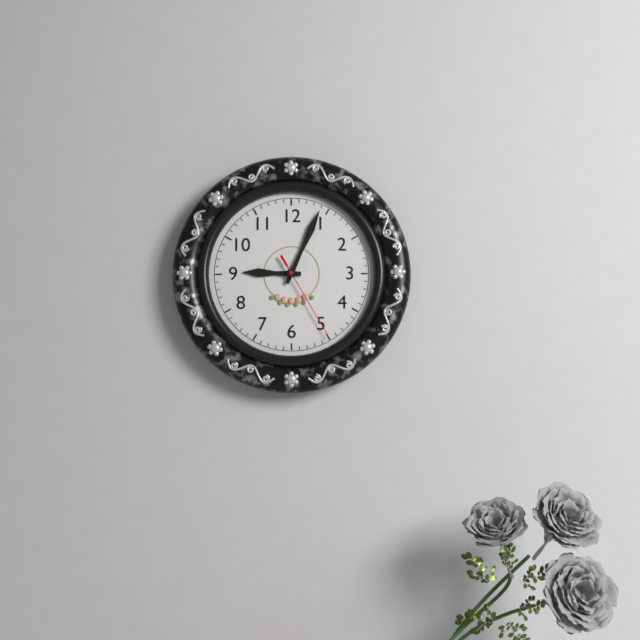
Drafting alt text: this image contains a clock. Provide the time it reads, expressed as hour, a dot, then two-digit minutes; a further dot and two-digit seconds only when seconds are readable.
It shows 9.04.25
